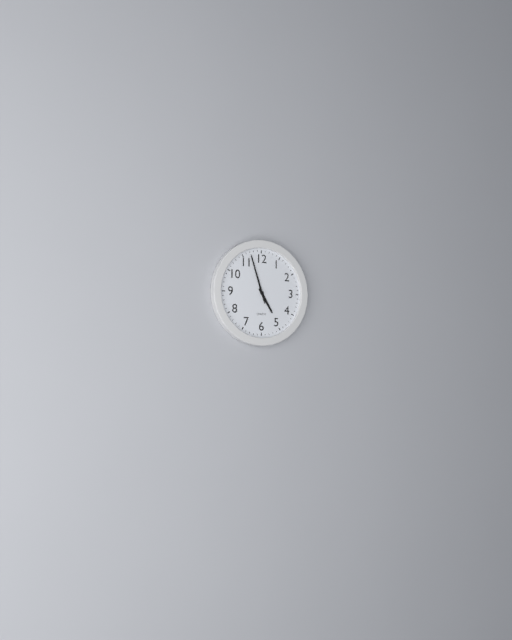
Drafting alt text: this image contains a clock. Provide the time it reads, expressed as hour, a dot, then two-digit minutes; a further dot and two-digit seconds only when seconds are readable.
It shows 4.57
